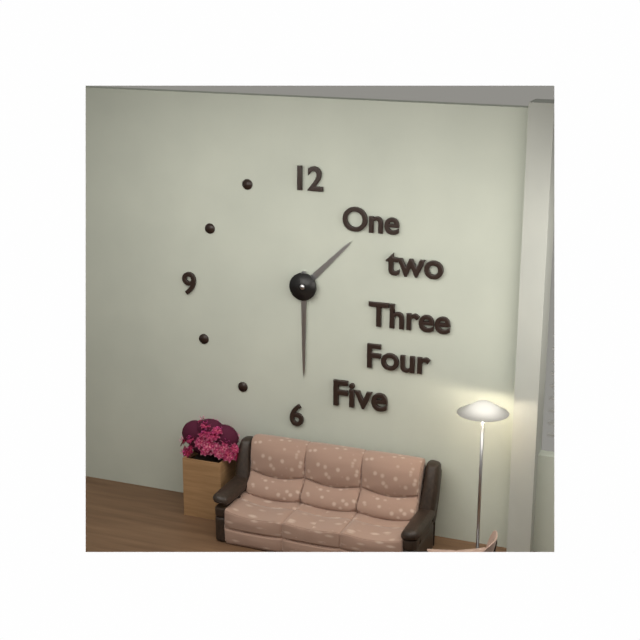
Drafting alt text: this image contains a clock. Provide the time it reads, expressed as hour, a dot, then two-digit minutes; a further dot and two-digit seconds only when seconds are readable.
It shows 1.30
